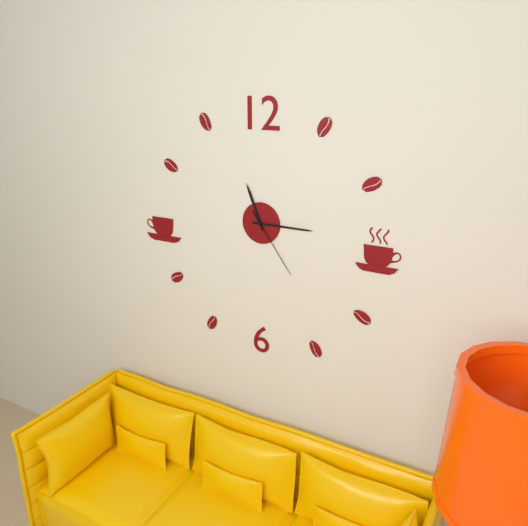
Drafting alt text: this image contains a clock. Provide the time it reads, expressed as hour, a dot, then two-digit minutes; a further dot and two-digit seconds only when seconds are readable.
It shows 11.15.24
